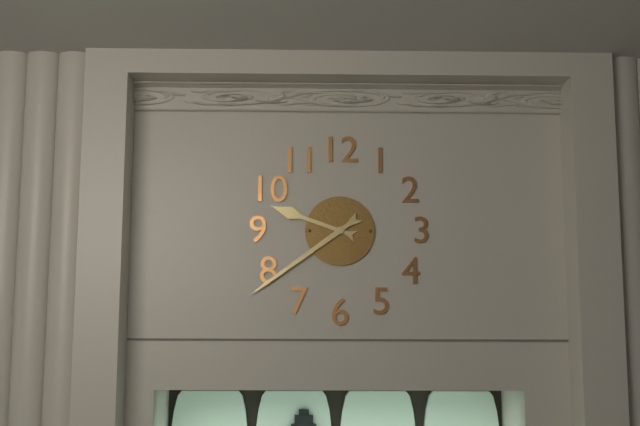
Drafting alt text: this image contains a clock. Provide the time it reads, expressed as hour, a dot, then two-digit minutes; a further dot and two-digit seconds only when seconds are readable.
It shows 9.39
